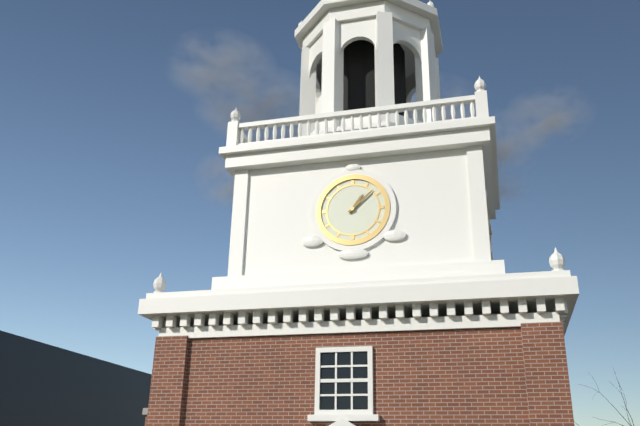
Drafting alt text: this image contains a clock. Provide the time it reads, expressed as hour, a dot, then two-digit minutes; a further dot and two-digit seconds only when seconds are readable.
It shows 1.08
